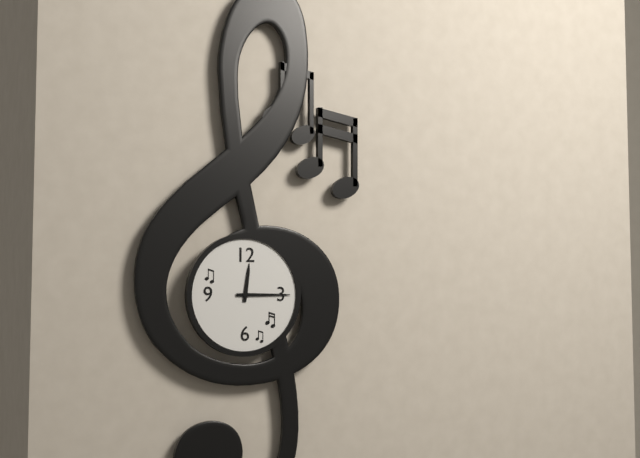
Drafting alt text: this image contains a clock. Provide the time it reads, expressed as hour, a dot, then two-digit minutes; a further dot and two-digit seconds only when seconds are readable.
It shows 12.15
